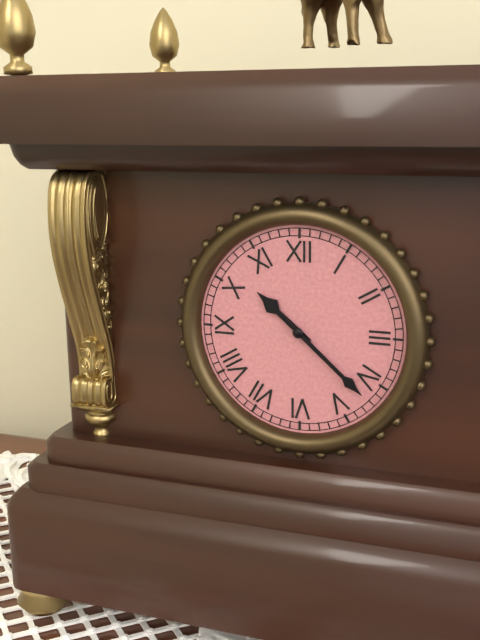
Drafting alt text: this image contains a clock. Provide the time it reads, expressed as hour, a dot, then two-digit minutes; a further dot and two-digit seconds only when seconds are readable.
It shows 10.22
